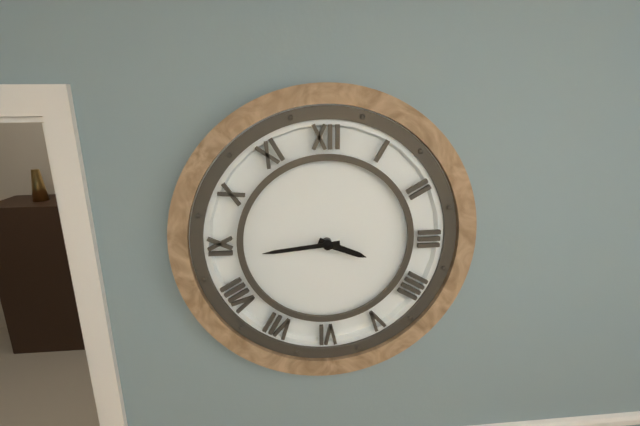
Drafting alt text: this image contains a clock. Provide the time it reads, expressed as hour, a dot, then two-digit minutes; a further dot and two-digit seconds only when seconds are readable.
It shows 3.44
